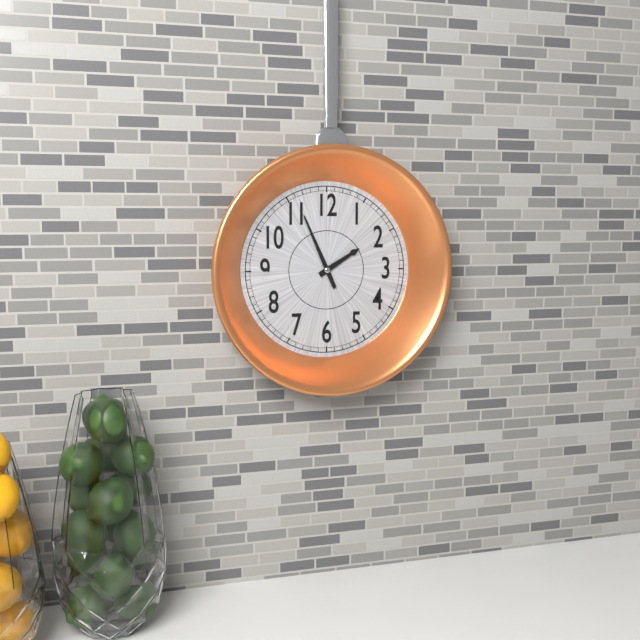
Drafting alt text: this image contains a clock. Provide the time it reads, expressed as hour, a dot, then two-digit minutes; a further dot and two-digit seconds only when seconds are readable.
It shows 1.56
